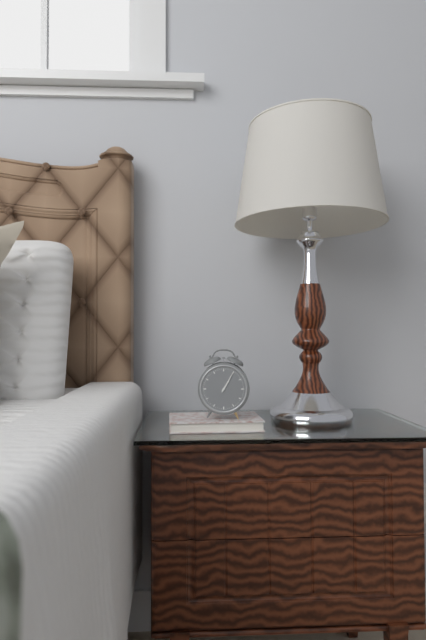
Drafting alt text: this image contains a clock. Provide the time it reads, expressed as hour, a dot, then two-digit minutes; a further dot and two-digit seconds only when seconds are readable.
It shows 1.05
